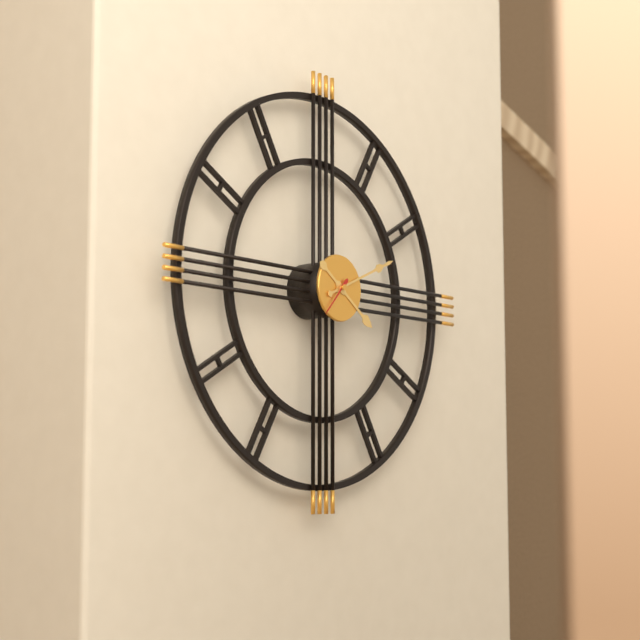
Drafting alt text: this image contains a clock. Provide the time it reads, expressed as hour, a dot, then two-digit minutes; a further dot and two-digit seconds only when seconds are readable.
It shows 4.11
